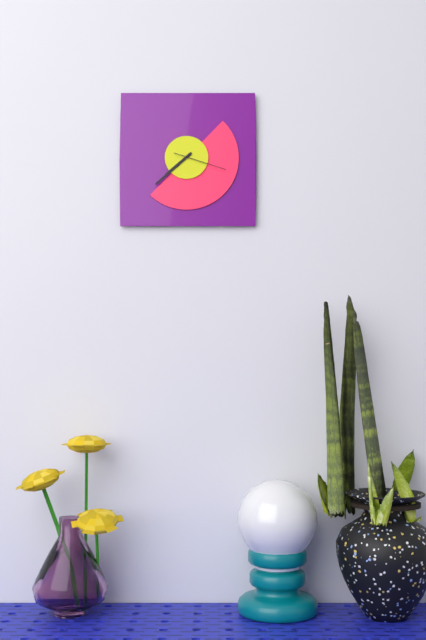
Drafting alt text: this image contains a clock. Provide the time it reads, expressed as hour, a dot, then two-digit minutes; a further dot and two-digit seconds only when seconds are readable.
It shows 7.38.18
